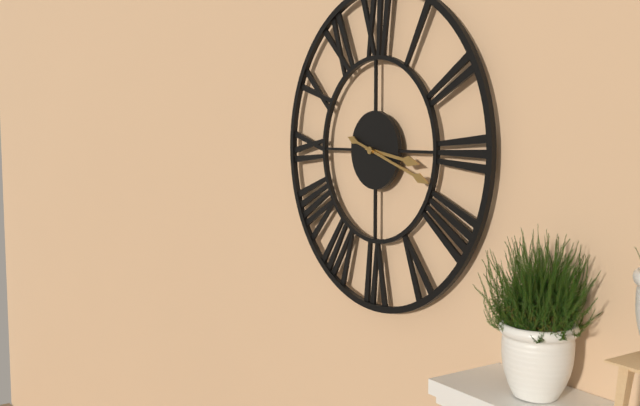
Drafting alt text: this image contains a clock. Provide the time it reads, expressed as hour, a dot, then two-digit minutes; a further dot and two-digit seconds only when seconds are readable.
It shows 3.18
